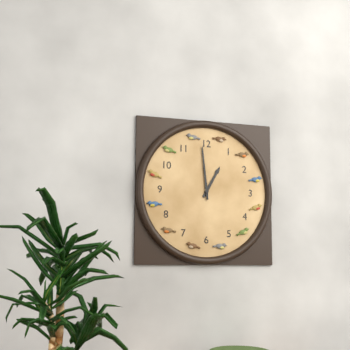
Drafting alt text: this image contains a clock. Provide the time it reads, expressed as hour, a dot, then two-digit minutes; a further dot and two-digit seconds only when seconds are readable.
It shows 12.59
